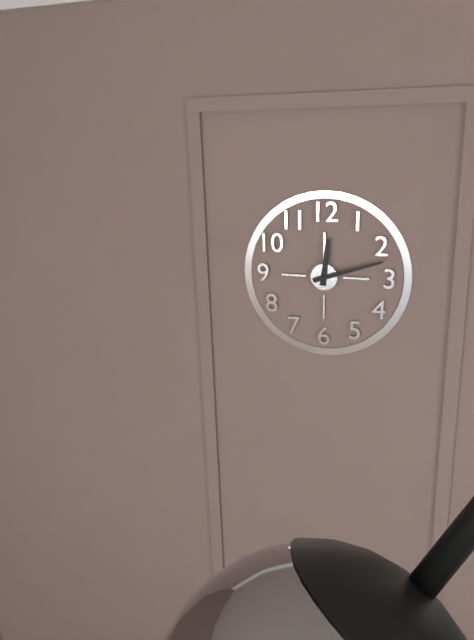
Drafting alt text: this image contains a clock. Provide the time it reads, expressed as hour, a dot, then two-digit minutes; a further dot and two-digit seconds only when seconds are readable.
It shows 12.12
